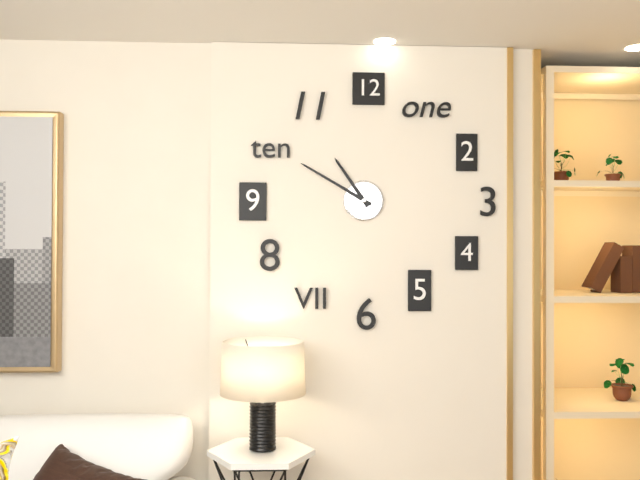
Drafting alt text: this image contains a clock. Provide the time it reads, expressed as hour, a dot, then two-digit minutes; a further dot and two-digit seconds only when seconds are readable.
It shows 10.50
